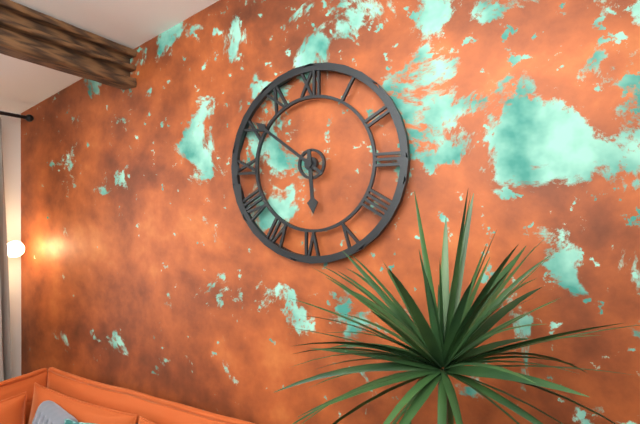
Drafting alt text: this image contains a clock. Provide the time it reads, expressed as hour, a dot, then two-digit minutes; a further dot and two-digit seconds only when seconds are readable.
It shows 5.51
